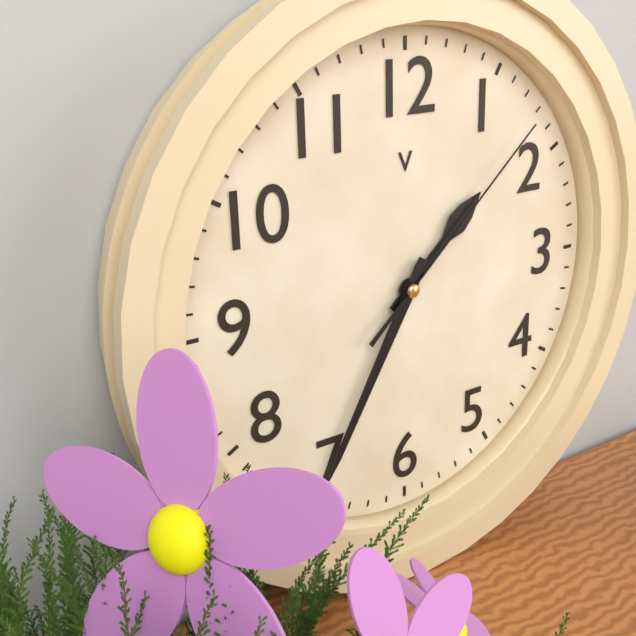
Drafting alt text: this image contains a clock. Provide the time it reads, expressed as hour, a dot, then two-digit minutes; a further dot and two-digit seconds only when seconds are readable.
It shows 1.35.08
